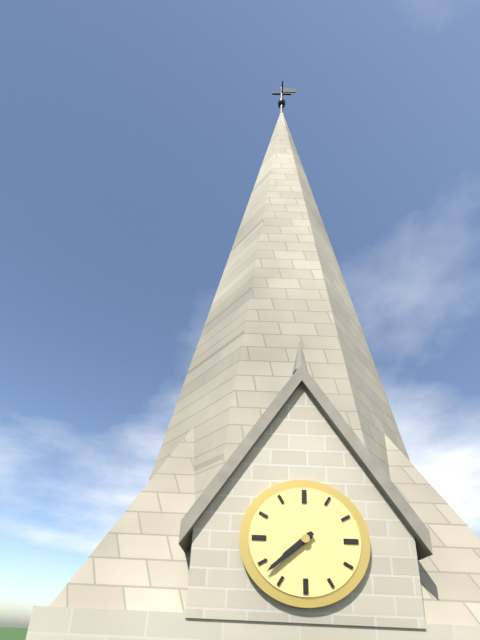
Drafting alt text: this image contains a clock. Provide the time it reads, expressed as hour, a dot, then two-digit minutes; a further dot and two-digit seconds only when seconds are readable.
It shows 7.38
